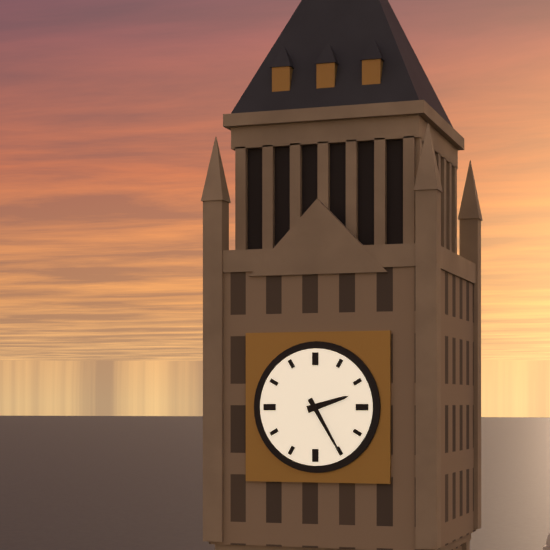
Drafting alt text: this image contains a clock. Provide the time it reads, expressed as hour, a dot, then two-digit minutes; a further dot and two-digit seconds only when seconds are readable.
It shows 2.25
